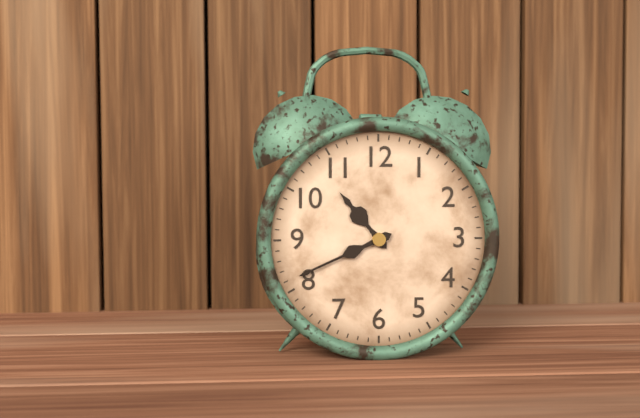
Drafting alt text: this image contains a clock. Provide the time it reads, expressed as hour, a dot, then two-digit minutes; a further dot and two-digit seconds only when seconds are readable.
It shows 10.41
